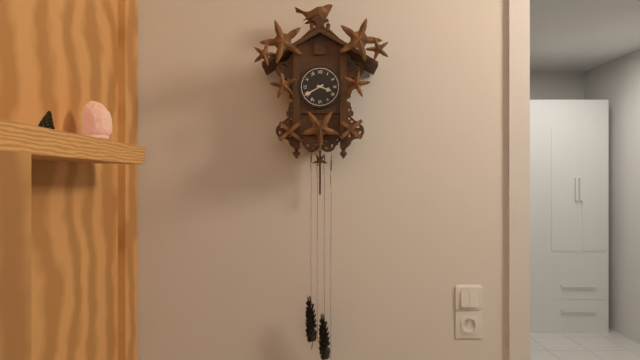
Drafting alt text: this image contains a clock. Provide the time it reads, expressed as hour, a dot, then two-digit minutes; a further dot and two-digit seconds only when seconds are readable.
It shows 3.40
